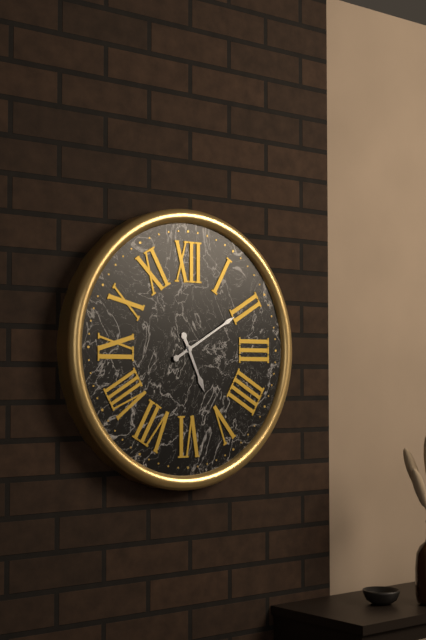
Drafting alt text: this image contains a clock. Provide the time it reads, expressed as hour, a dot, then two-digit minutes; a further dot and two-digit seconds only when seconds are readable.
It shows 5.10
